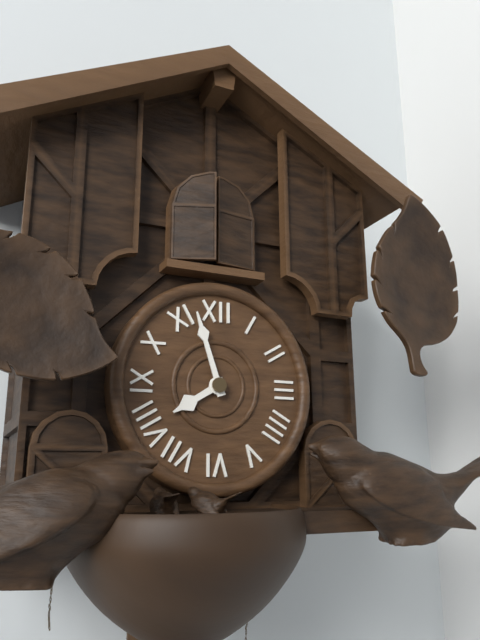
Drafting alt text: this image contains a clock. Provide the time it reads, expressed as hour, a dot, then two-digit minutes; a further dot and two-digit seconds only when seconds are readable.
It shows 7.57
